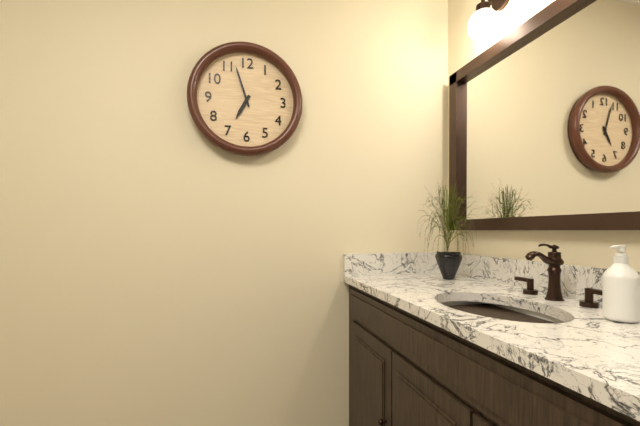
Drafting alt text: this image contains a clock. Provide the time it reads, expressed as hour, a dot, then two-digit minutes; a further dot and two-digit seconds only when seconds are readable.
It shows 6.57
